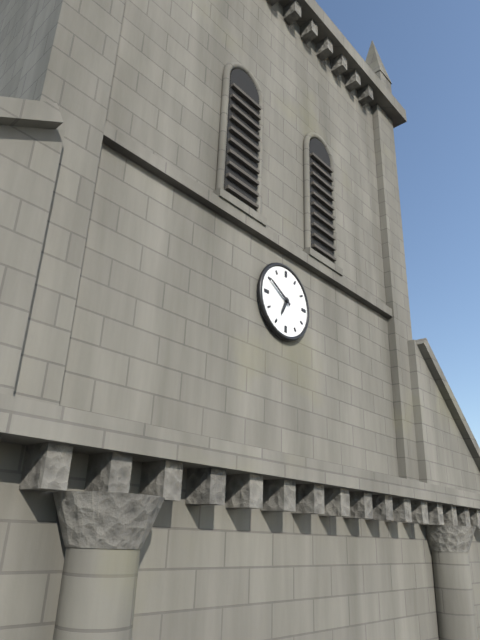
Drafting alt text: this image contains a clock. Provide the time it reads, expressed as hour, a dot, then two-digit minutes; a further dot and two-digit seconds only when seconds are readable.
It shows 6.50
